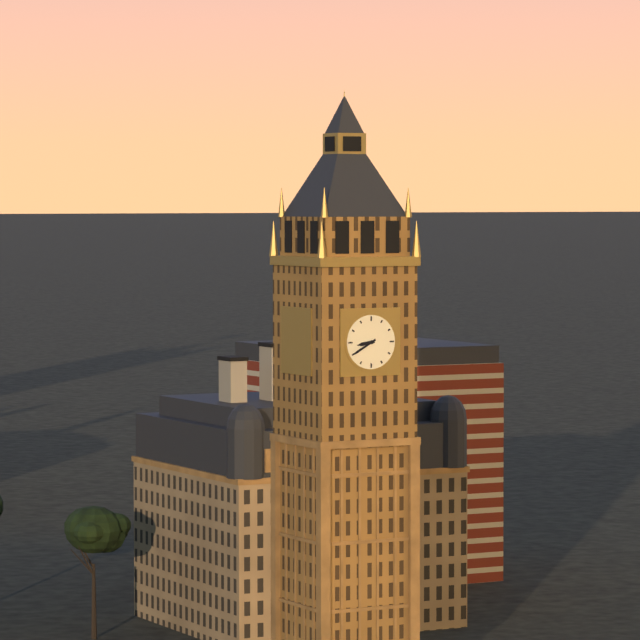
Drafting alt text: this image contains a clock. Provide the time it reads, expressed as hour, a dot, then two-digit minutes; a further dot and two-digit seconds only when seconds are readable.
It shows 8.40
